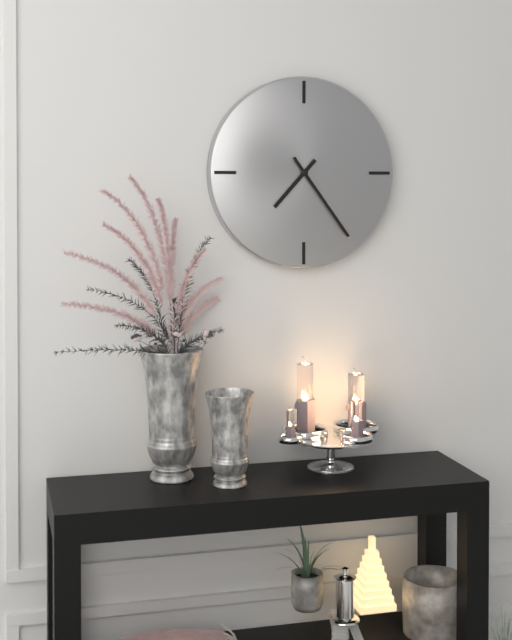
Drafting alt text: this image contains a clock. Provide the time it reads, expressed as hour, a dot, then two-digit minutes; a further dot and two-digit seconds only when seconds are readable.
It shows 7.24
